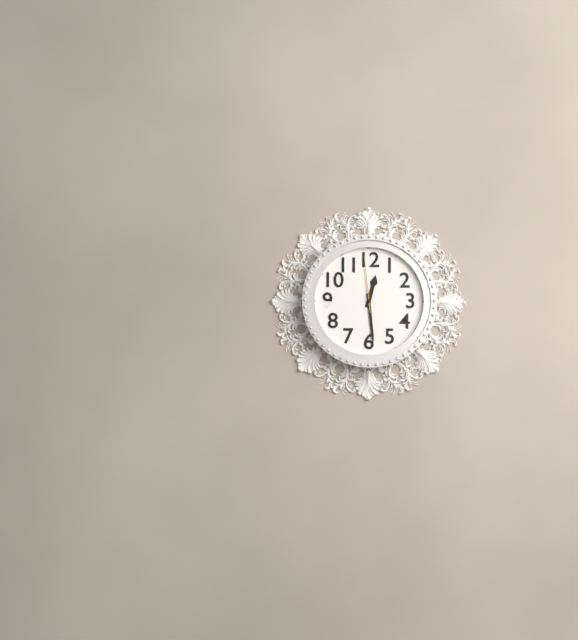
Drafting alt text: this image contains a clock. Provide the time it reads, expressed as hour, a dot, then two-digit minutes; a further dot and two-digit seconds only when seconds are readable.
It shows 12.29.59
